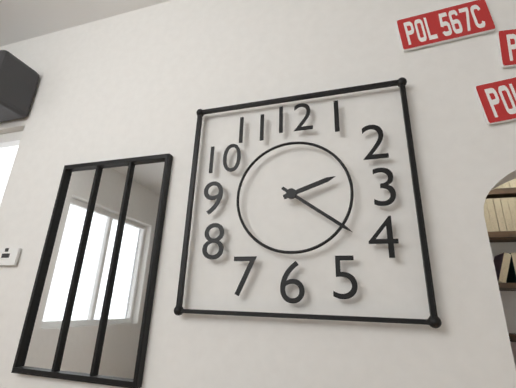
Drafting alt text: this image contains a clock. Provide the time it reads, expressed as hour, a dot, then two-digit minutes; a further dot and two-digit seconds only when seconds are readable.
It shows 2.21
